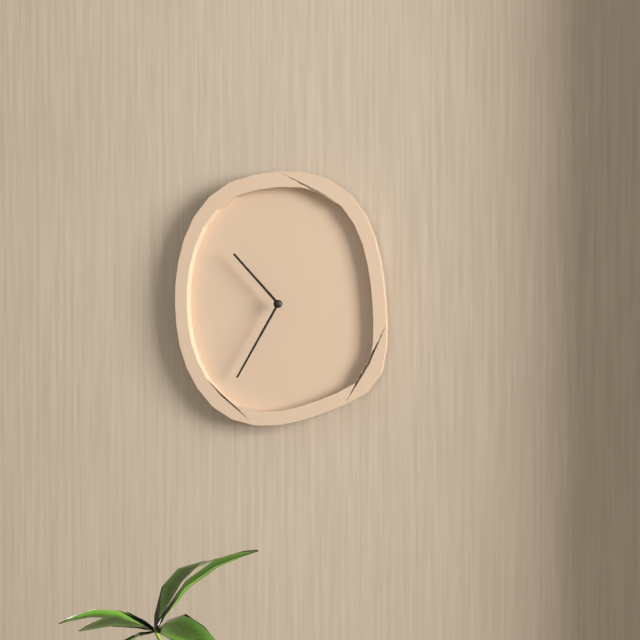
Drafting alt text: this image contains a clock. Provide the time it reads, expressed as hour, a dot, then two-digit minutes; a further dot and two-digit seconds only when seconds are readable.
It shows 10.35
